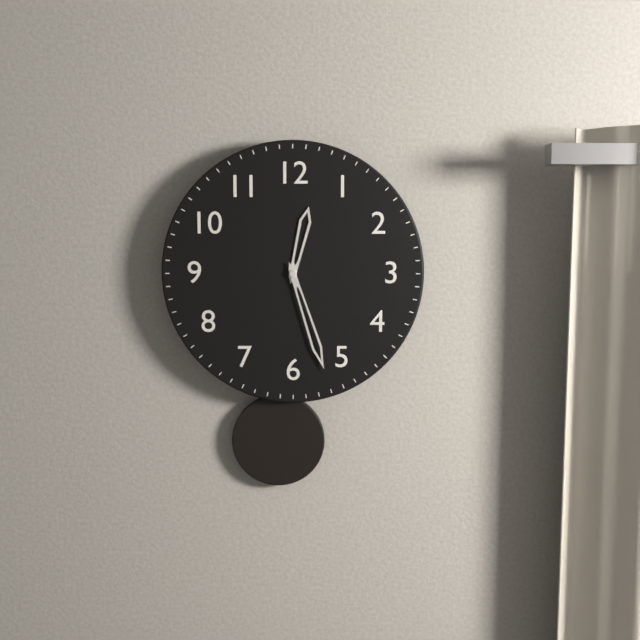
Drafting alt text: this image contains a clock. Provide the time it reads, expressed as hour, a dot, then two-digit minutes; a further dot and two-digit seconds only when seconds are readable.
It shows 12.27
